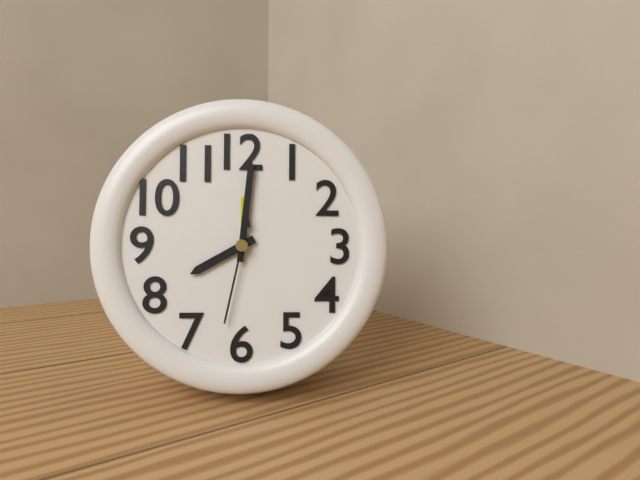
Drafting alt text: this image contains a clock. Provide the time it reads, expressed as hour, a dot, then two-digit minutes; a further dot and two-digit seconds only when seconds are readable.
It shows 8.01.32
